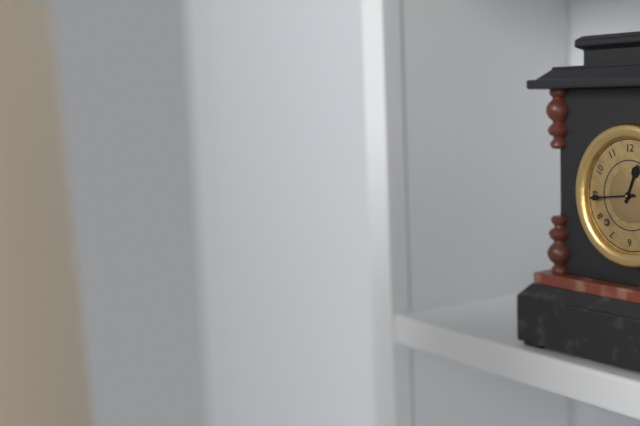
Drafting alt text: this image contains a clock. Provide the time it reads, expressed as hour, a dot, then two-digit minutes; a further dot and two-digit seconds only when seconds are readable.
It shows 12.44
